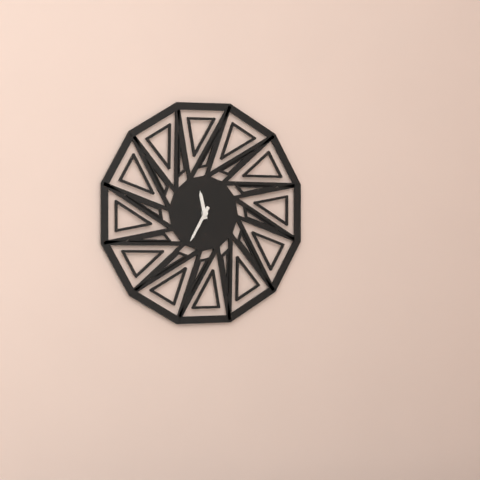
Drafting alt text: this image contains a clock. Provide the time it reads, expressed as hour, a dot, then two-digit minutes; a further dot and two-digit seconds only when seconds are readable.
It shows 11.35
